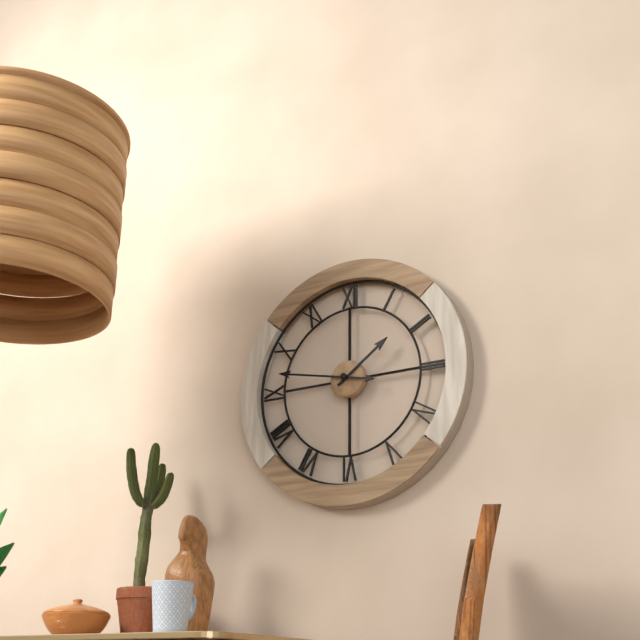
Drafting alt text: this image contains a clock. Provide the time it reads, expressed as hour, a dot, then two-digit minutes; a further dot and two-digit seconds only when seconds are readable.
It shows 1.47
